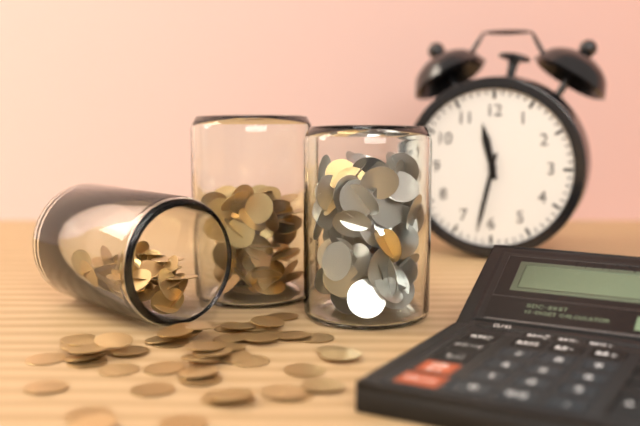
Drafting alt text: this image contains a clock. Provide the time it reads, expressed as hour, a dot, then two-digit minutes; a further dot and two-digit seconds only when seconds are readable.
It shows 11.32
